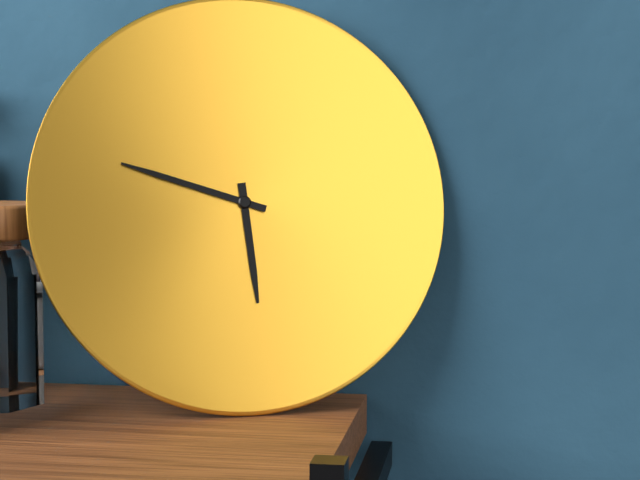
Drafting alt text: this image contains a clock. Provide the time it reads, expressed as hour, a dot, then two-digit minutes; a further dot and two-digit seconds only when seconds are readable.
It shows 5.48
